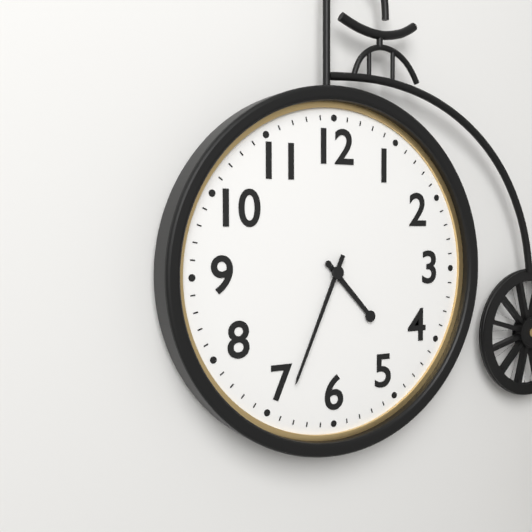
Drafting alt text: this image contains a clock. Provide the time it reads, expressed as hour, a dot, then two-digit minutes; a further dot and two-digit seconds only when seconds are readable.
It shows 4.34
